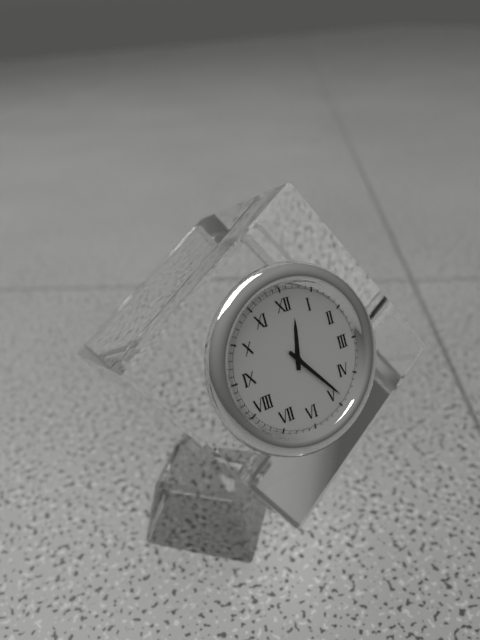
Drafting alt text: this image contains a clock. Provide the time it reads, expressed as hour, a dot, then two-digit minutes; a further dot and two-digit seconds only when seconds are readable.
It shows 12.24
